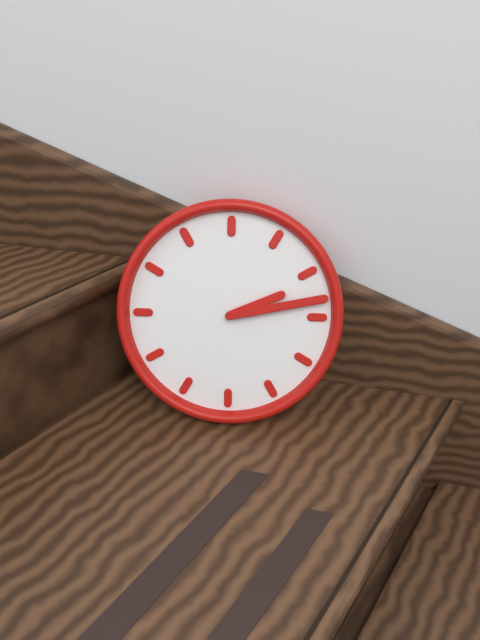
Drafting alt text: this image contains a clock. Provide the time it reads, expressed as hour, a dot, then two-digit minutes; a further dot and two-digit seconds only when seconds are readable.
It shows 2.13
